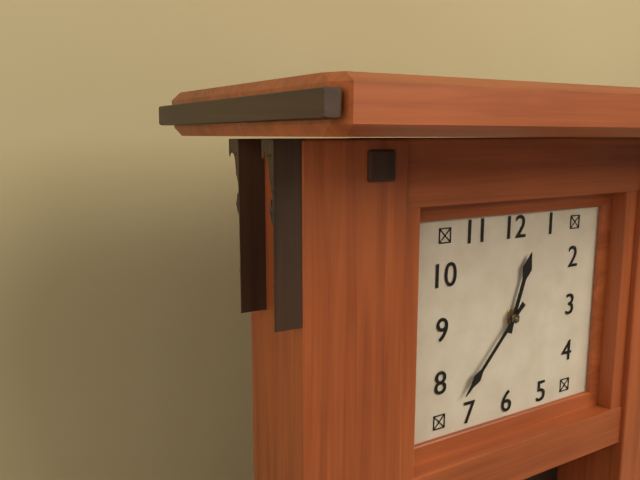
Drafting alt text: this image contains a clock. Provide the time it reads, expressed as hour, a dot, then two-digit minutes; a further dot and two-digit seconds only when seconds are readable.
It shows 12.37
